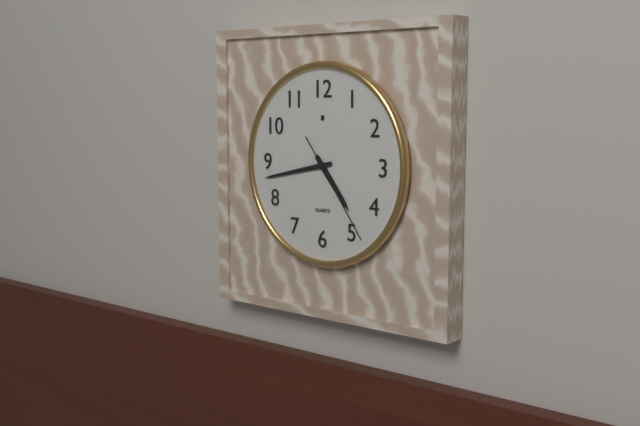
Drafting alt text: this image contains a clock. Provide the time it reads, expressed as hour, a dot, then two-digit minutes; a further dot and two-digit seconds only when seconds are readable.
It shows 4.43.24
